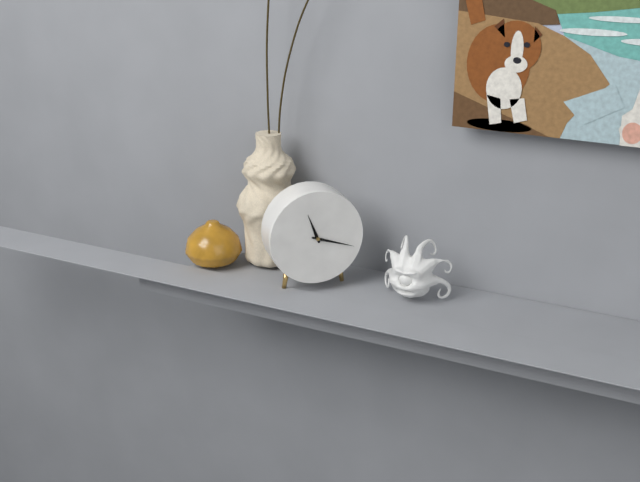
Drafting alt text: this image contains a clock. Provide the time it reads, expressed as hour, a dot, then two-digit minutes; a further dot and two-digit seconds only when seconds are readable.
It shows 11.18
